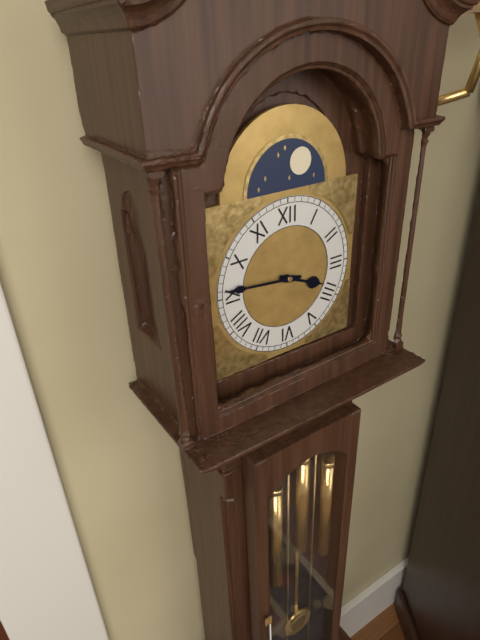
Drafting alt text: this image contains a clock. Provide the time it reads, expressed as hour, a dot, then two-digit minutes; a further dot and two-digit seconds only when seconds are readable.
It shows 3.46
